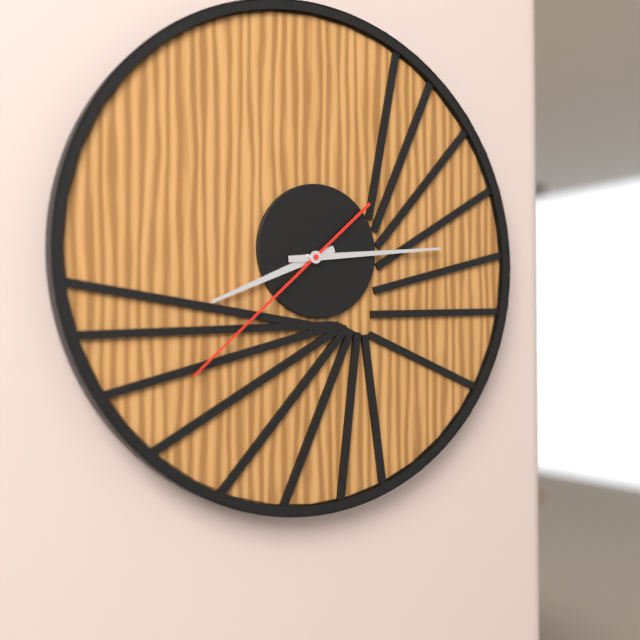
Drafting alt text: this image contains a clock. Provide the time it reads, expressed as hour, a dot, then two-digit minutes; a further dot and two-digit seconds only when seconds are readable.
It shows 8.14.38
